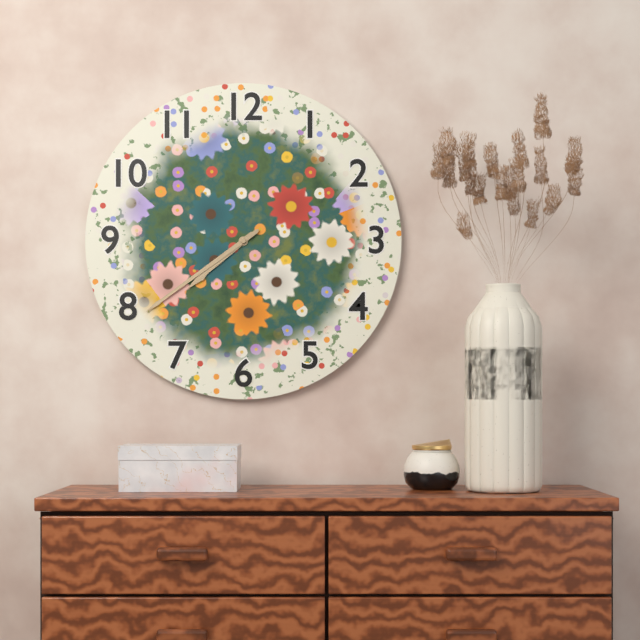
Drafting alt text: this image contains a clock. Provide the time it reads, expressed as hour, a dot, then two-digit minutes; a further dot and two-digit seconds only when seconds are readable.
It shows 7.39
